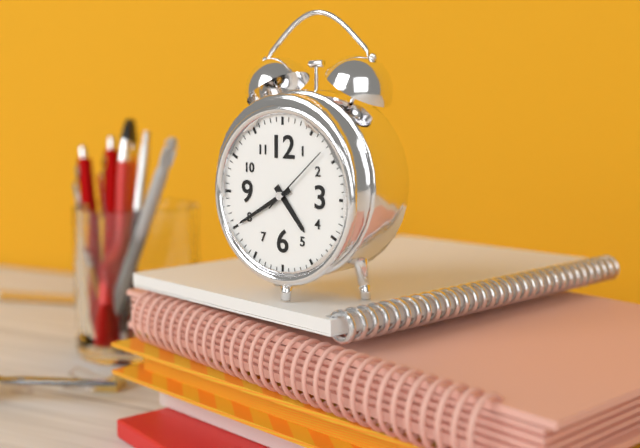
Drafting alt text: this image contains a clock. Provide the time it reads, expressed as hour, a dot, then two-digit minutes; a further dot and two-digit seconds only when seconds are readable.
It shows 4.40.08
